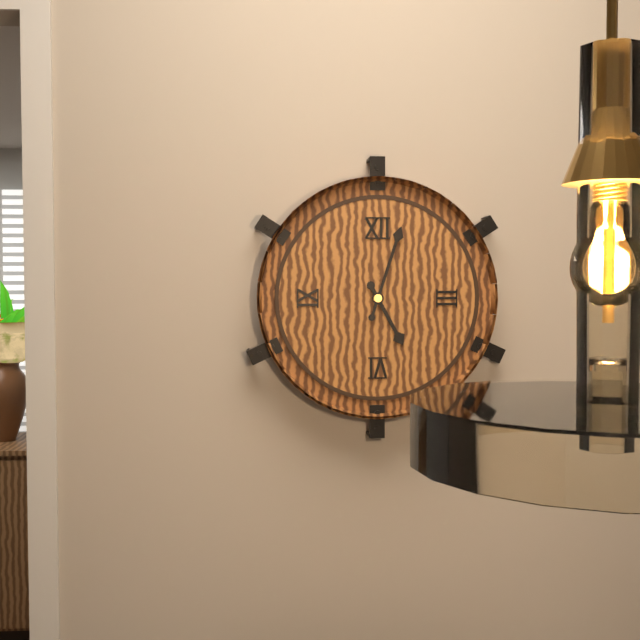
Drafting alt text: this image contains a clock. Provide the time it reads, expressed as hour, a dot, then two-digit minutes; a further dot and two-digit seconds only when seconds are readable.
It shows 5.03
